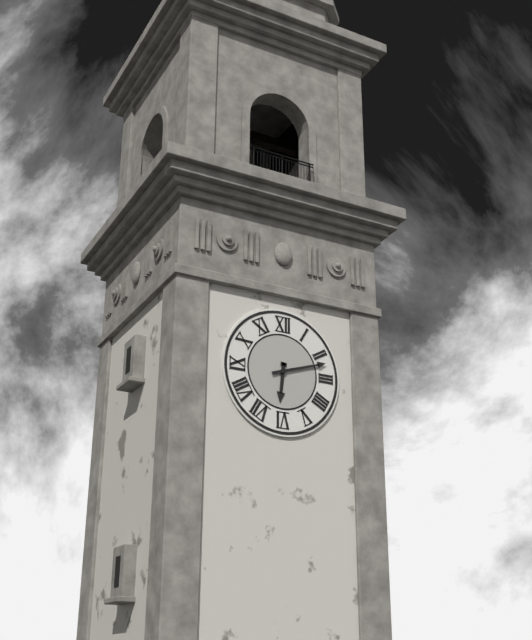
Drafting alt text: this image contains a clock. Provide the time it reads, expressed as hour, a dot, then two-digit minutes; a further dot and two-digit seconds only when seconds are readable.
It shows 6.12
